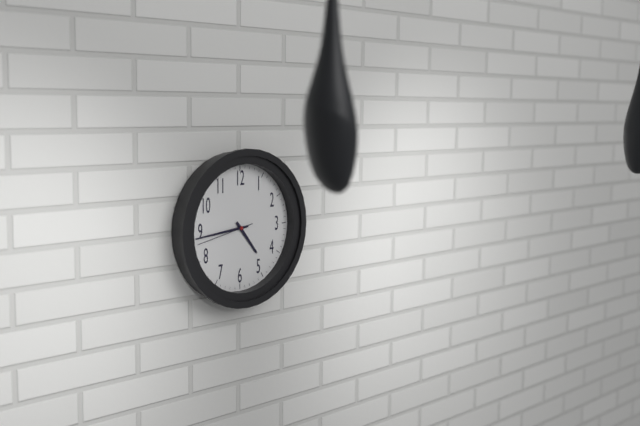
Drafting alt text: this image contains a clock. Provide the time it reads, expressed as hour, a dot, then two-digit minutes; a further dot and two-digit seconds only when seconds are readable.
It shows 4.44.43
